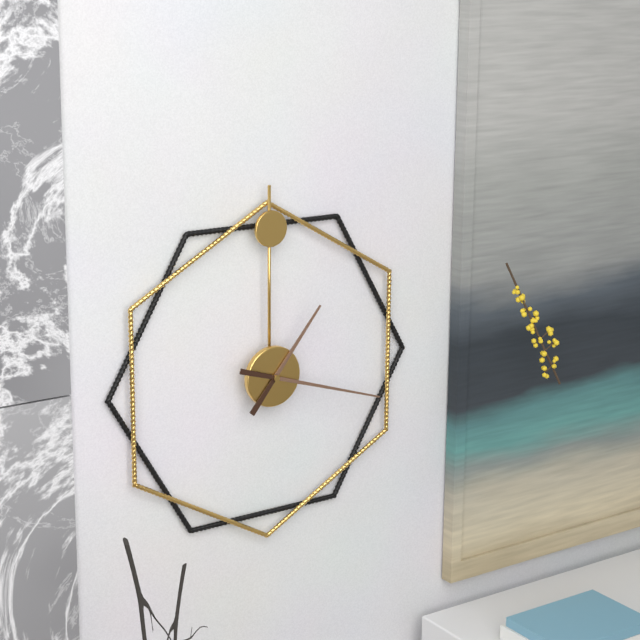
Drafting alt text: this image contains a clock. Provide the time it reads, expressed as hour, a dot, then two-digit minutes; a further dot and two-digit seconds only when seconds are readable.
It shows 1.18
